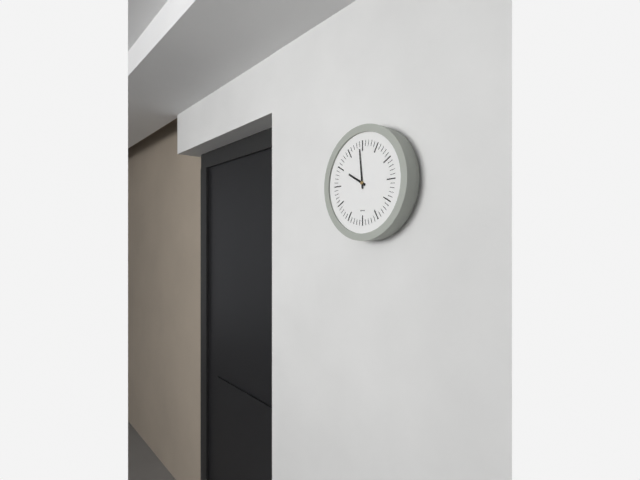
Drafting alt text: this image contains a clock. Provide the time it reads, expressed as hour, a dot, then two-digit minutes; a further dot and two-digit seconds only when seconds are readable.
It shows 9.59
